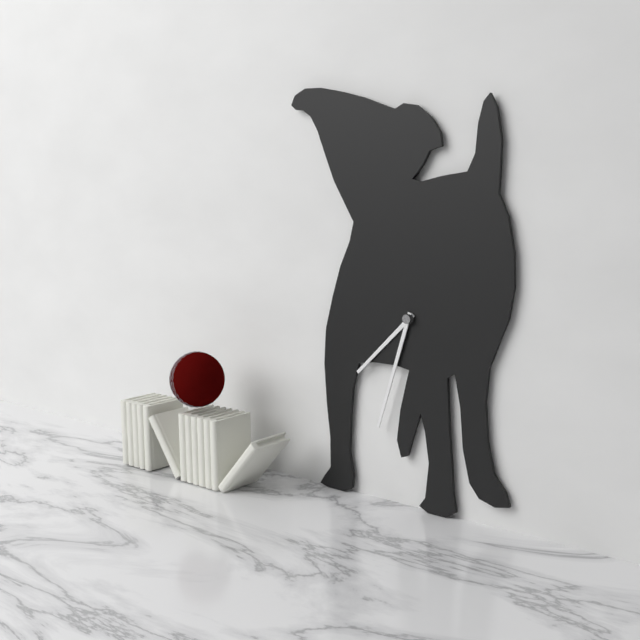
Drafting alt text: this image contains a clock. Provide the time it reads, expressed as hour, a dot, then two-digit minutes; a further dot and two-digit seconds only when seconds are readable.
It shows 7.33
